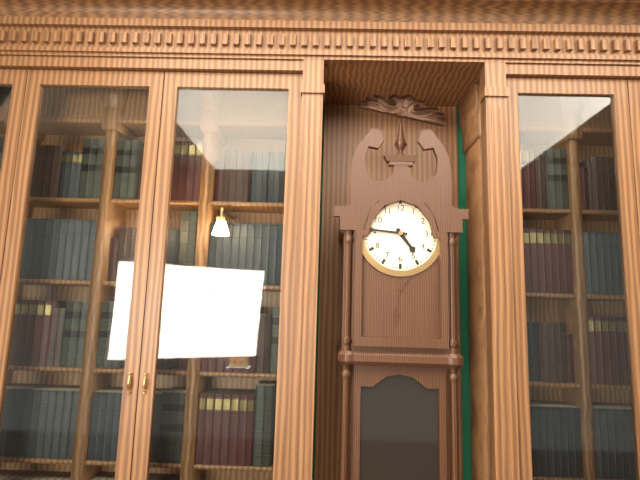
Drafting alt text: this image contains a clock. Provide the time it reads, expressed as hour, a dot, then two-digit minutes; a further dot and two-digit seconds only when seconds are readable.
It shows 4.46
